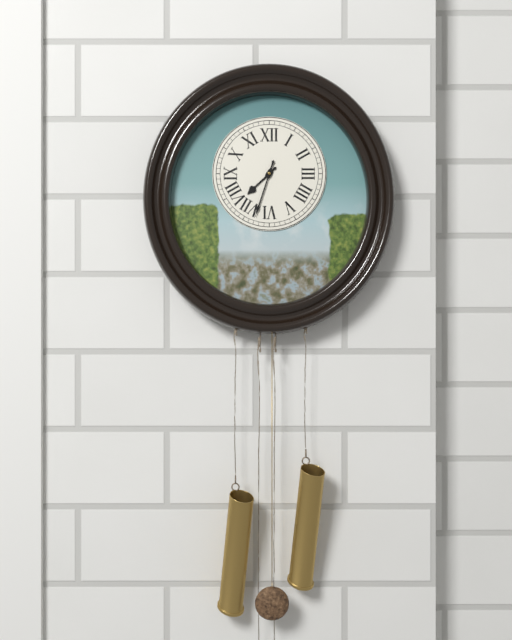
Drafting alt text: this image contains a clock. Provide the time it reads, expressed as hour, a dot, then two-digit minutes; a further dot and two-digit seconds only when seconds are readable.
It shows 7.33
